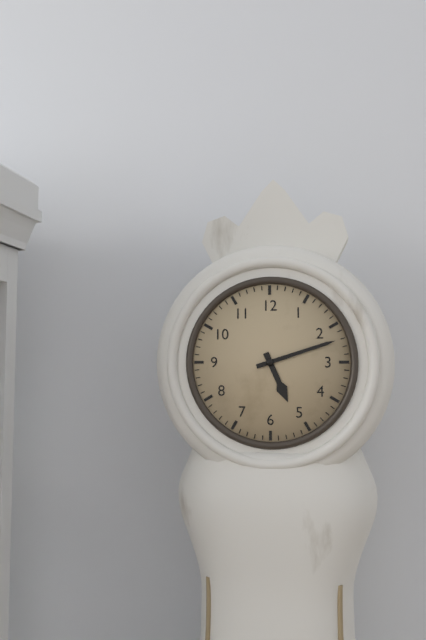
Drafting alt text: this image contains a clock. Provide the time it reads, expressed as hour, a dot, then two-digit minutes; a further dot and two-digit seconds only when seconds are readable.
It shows 5.12
